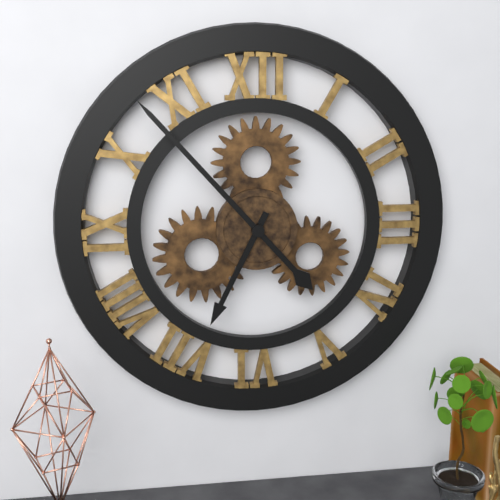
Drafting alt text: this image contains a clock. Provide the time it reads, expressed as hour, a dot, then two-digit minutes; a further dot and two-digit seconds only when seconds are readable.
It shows 6.53
